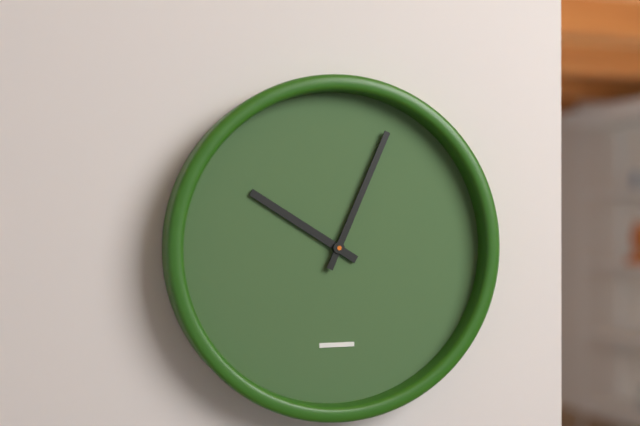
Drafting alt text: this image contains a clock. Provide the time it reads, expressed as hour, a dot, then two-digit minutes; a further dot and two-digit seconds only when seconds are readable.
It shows 10.04
